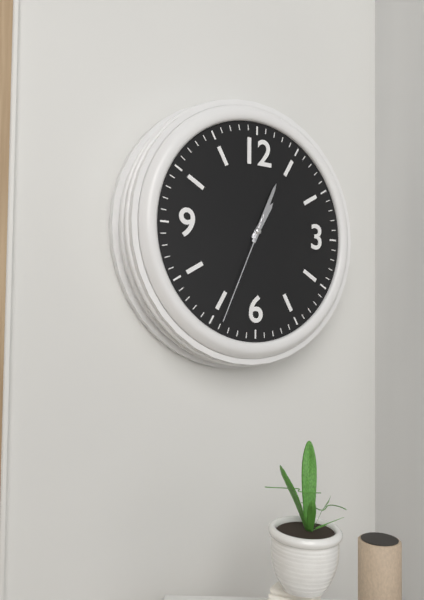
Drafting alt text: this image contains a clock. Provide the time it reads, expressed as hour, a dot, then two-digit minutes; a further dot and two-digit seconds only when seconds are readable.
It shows 1.04.34
